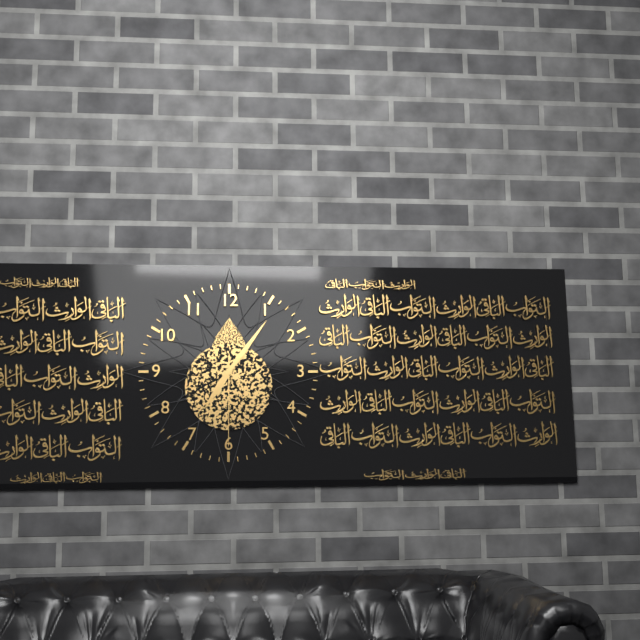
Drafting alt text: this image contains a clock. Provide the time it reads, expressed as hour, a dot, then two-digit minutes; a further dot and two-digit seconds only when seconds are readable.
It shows 7.06.30
